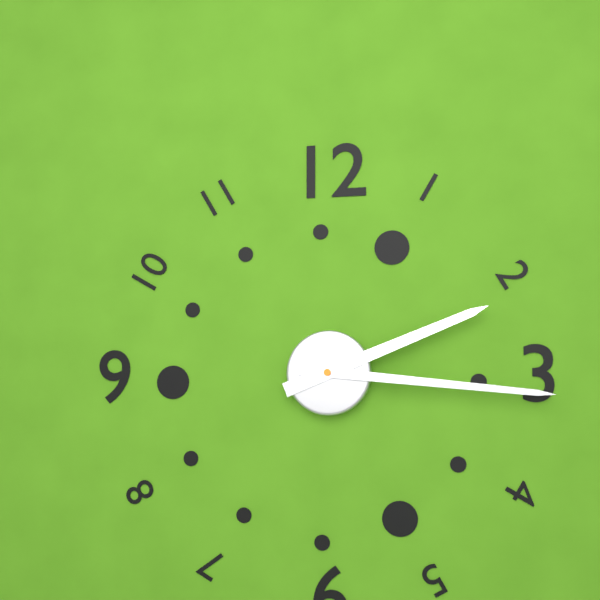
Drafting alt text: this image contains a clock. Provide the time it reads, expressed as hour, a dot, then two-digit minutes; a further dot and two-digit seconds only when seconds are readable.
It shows 2.16
